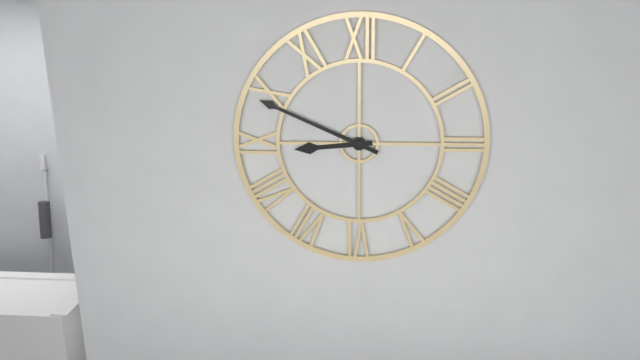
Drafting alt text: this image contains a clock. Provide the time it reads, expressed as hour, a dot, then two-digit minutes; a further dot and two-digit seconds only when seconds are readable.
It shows 8.49
